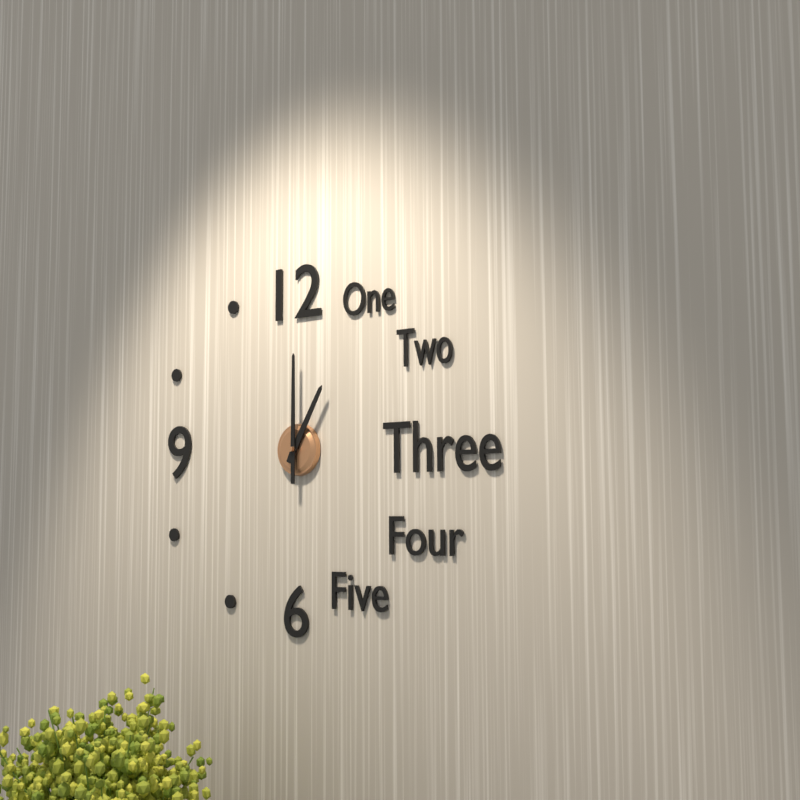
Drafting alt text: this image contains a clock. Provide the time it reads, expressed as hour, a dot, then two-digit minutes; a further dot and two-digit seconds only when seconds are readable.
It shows 1.00
